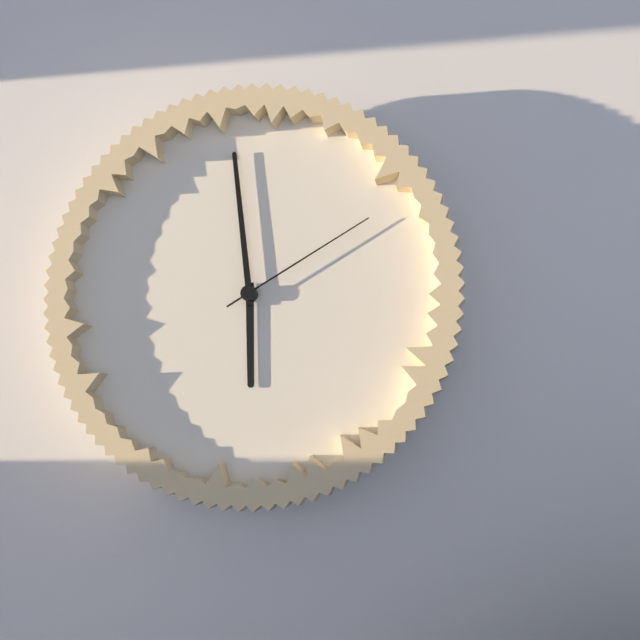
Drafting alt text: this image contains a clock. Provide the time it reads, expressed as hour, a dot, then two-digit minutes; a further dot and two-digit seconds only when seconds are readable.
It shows 5.59.10
